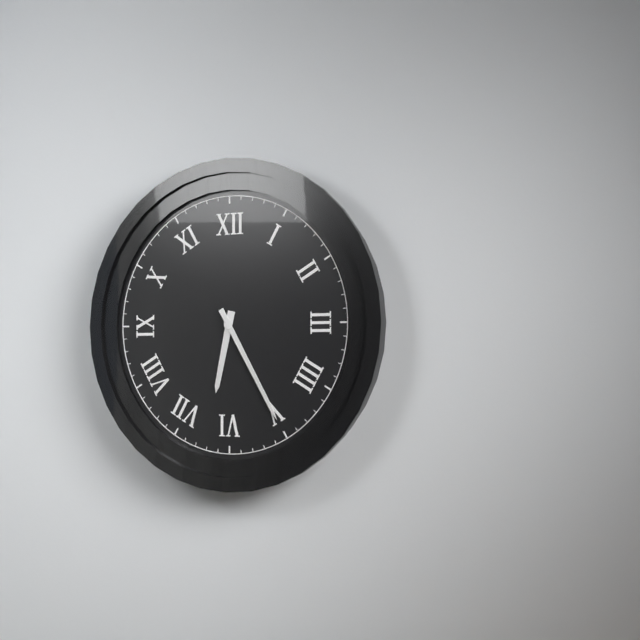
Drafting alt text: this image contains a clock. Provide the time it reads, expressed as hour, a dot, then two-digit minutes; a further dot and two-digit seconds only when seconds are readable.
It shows 6.25
